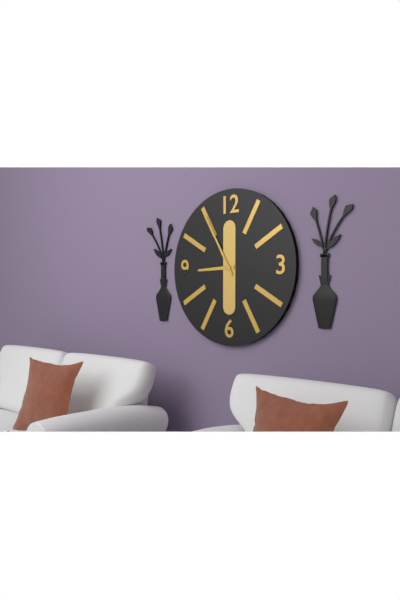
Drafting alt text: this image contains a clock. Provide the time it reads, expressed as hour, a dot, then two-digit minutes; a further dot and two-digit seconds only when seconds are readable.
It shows 8.55
